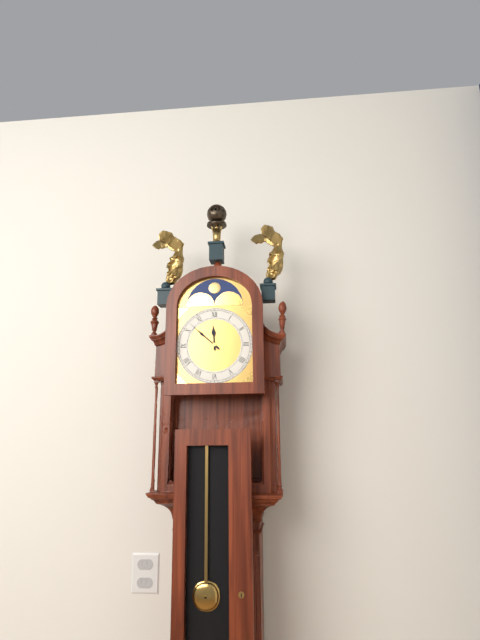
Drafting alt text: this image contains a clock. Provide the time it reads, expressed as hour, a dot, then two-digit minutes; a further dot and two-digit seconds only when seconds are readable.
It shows 11.52
